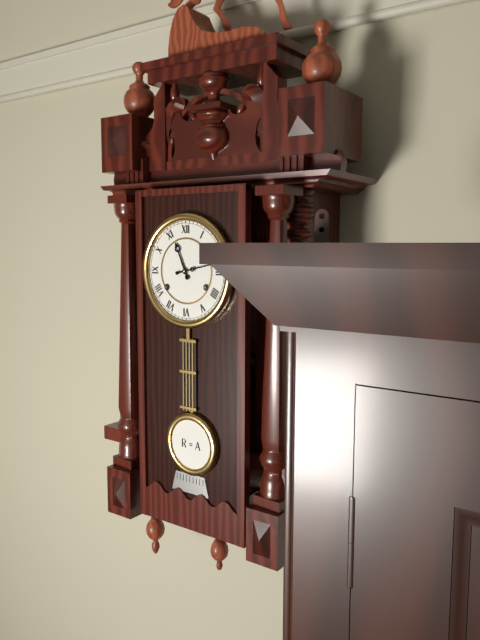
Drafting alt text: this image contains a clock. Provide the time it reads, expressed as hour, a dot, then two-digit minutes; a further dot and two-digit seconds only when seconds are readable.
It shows 11.13
